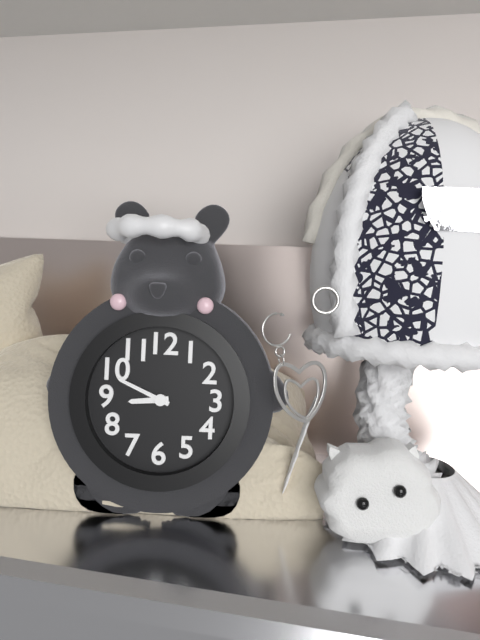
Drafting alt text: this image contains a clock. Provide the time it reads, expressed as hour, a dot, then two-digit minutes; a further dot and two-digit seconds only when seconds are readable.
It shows 8.49
